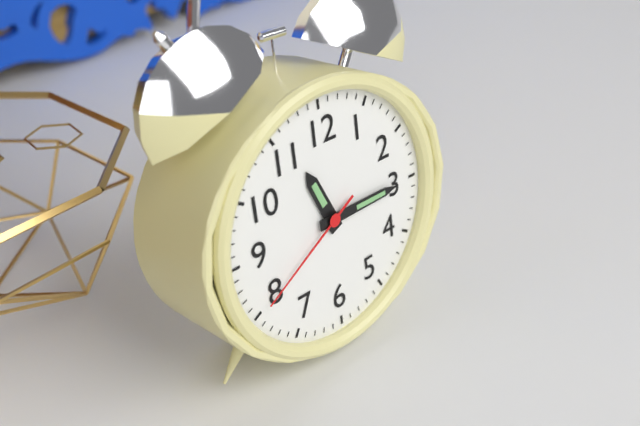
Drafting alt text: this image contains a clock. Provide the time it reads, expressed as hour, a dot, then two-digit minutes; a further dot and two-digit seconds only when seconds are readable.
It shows 11.15.40
